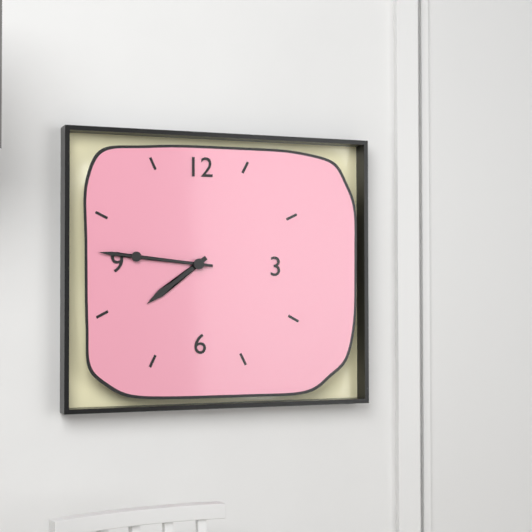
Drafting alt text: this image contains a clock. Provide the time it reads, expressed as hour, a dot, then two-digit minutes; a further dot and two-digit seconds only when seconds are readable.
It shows 7.46
